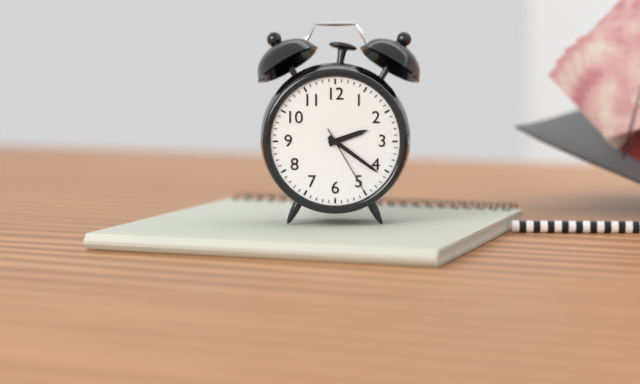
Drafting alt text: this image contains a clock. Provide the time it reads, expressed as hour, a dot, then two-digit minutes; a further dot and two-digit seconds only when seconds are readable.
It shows 2.21.25
